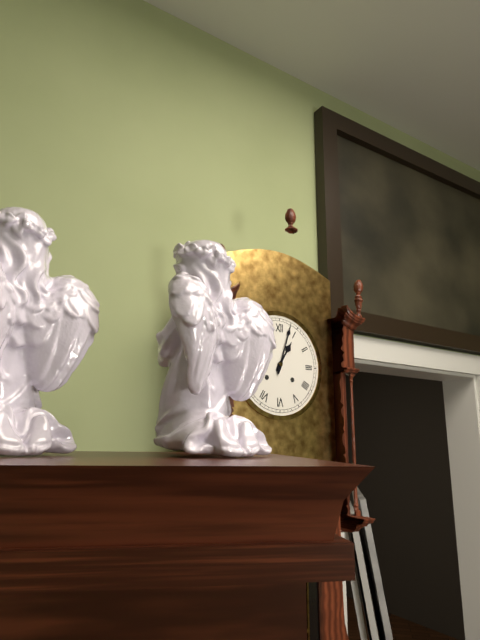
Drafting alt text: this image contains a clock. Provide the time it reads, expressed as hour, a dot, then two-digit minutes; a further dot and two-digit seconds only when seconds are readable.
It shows 1.03
